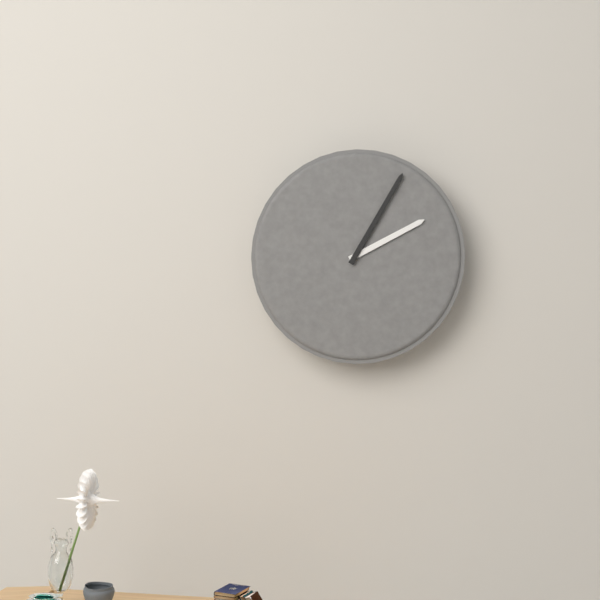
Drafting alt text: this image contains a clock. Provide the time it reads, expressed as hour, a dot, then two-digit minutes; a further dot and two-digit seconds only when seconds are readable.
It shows 2.05
